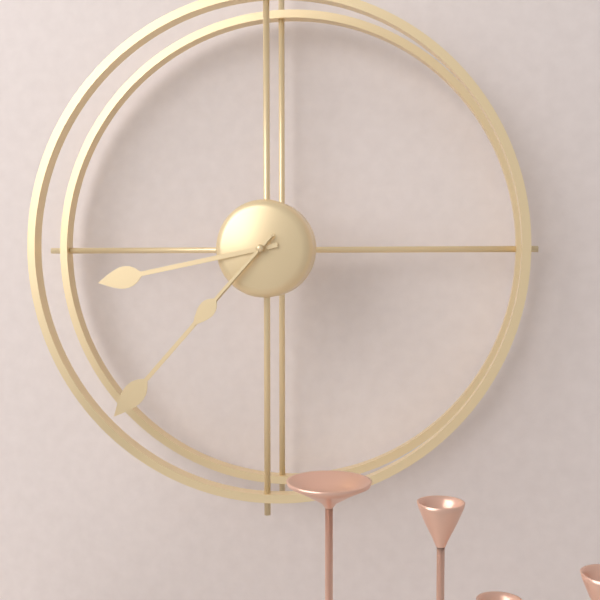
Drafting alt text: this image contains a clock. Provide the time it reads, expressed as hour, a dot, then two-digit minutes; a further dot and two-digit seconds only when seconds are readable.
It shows 8.37.37
